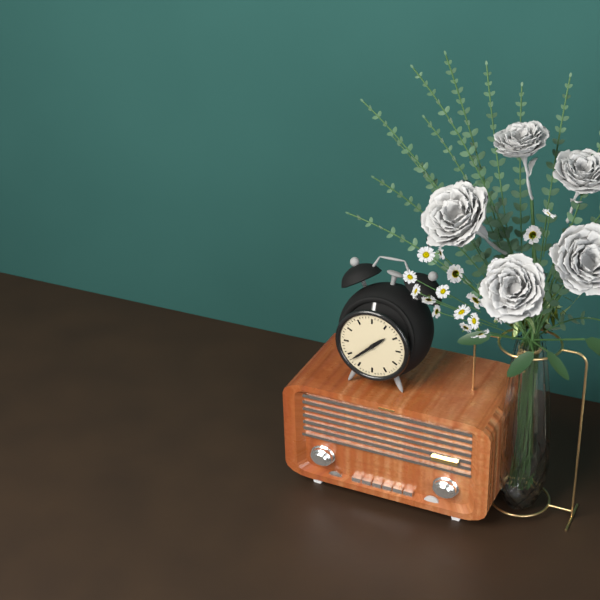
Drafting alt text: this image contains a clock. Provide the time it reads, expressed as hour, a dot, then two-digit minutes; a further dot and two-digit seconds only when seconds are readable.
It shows 1.38
